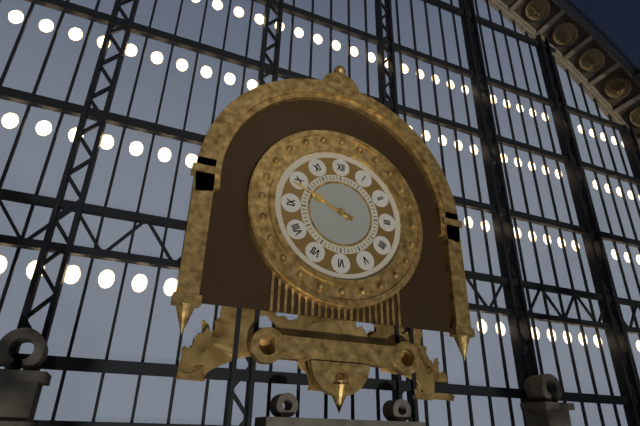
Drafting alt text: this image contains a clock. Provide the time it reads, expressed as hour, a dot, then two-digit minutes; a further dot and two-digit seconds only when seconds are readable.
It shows 9.49
